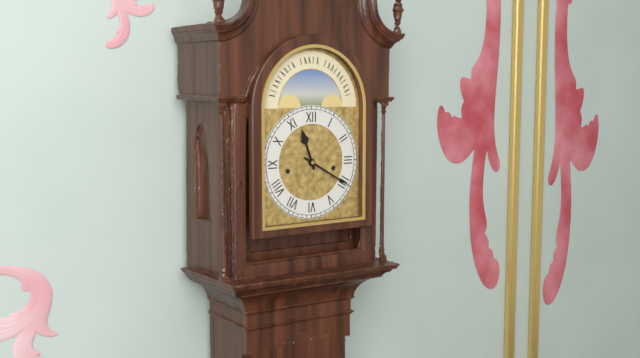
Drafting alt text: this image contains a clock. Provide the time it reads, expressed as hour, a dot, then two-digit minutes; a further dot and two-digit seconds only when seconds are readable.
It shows 11.20
